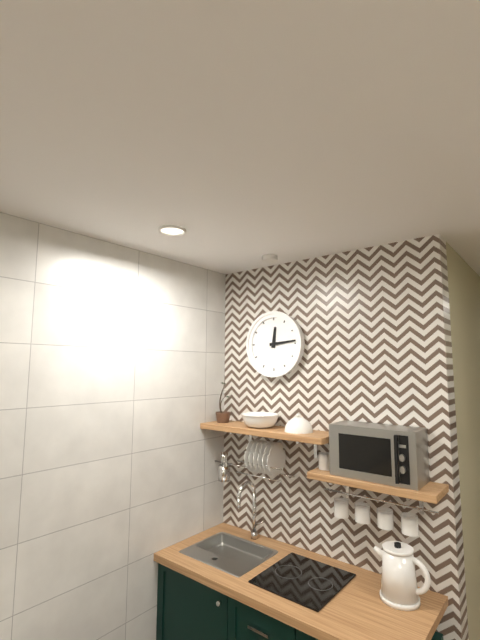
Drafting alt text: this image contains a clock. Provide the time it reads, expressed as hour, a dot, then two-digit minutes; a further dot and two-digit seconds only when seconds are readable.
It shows 12.14
